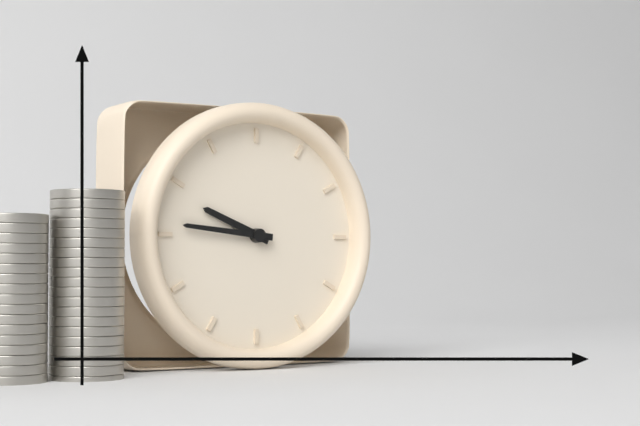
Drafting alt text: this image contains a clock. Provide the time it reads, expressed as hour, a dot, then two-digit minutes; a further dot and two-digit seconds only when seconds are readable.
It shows 9.46
